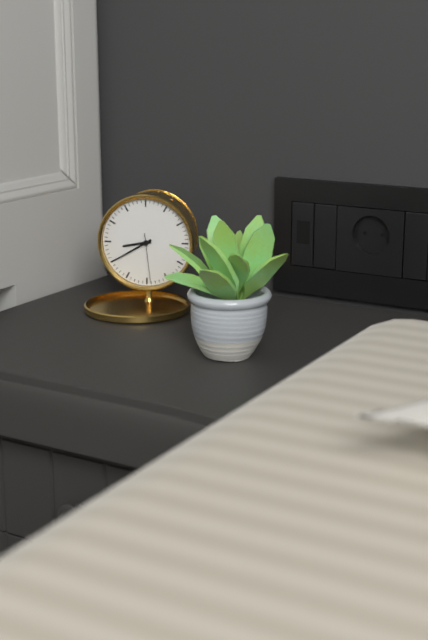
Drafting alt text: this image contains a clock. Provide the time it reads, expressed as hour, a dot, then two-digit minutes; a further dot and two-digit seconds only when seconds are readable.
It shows 8.40
